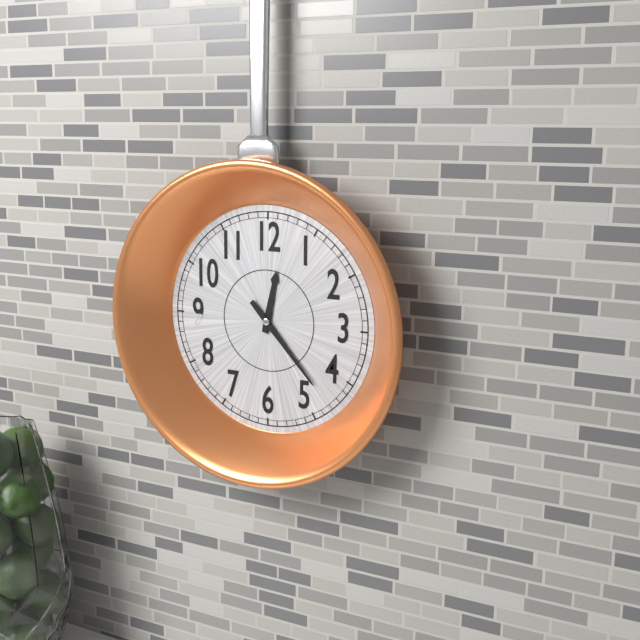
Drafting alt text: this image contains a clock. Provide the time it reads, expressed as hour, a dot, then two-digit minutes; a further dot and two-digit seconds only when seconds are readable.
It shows 12.23
